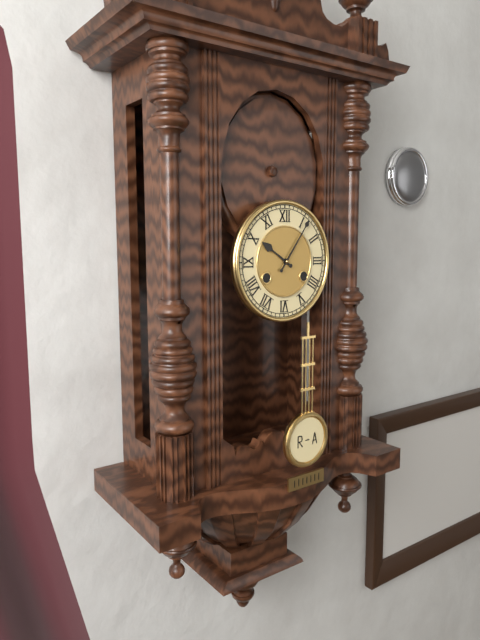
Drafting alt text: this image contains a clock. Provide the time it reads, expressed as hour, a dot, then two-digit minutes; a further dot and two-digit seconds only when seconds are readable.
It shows 10.06
